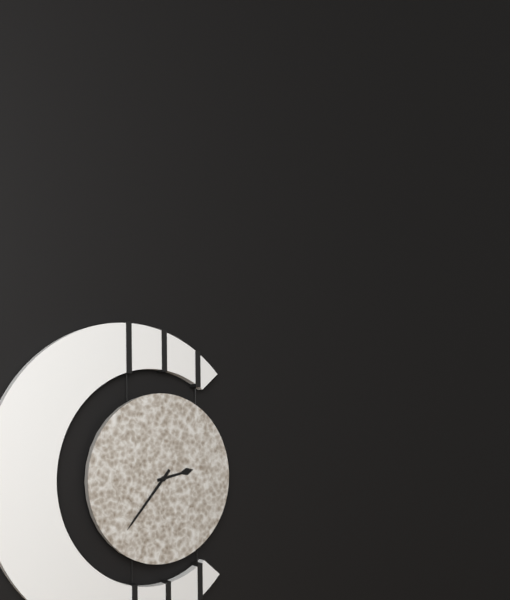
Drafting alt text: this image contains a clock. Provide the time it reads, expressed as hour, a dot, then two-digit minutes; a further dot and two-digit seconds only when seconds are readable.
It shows 2.37
